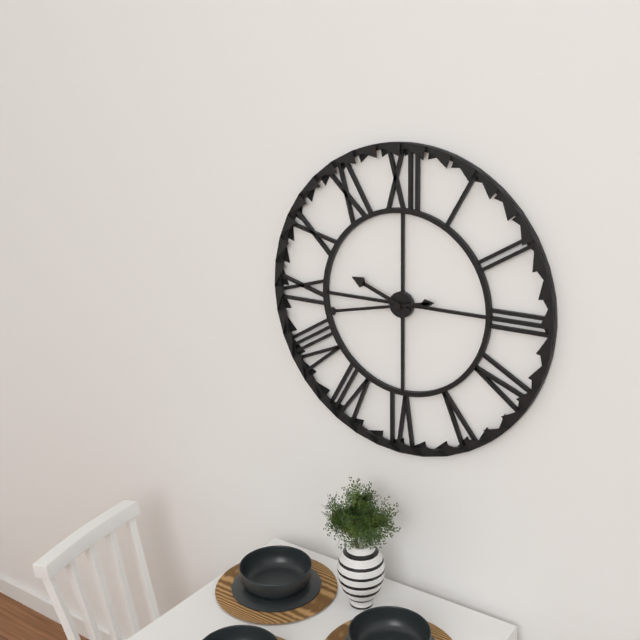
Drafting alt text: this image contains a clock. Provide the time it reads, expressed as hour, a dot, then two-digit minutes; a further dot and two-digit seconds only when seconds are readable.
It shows 9.43
